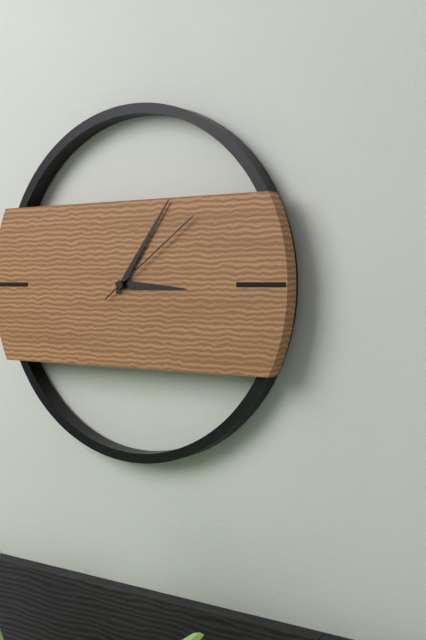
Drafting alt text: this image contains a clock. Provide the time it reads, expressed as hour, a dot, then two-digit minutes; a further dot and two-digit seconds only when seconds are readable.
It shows 3.06.09
